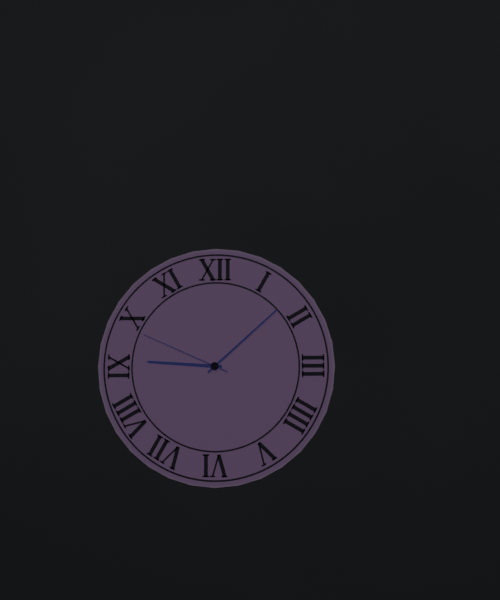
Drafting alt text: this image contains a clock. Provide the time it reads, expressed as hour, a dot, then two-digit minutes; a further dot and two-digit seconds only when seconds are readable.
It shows 9.08.49
